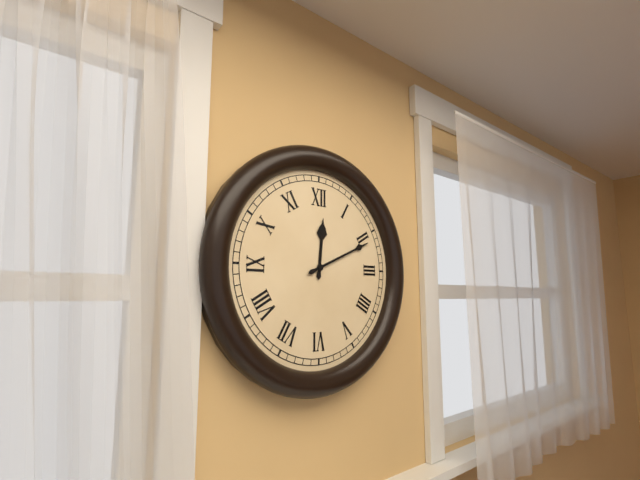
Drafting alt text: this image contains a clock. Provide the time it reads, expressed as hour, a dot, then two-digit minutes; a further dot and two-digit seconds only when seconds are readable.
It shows 12.11
